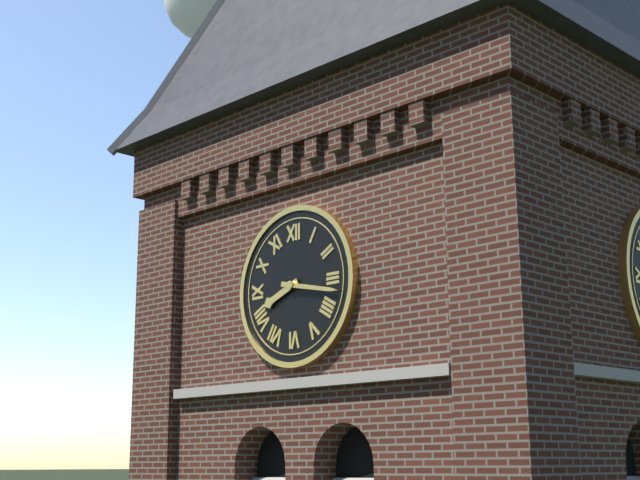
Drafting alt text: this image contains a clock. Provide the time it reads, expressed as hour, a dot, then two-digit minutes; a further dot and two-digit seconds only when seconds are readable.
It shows 8.17
